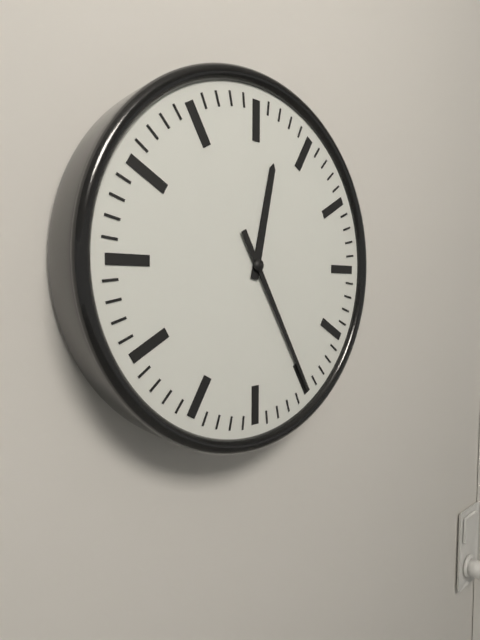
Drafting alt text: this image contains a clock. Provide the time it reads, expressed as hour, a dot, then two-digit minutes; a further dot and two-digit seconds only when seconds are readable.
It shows 12.25
